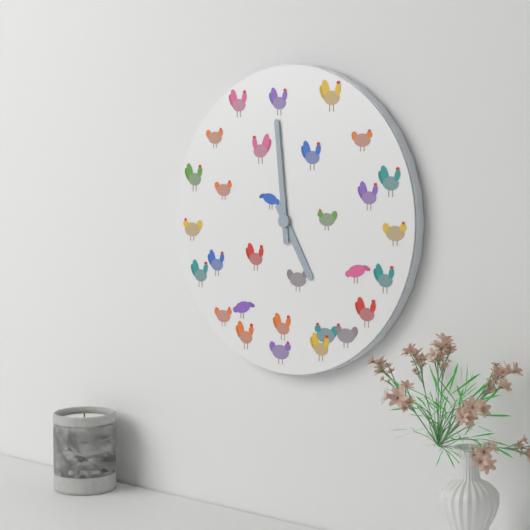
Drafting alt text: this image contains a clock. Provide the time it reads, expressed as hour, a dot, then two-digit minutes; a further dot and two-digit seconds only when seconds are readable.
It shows 4.59
